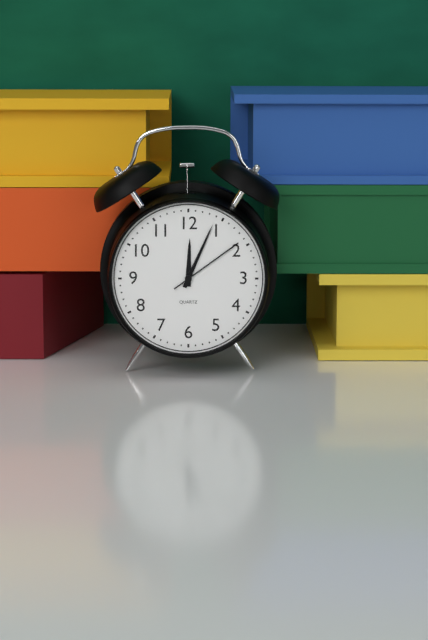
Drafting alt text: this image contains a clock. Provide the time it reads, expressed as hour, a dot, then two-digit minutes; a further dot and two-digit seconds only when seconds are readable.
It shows 12.04.09
